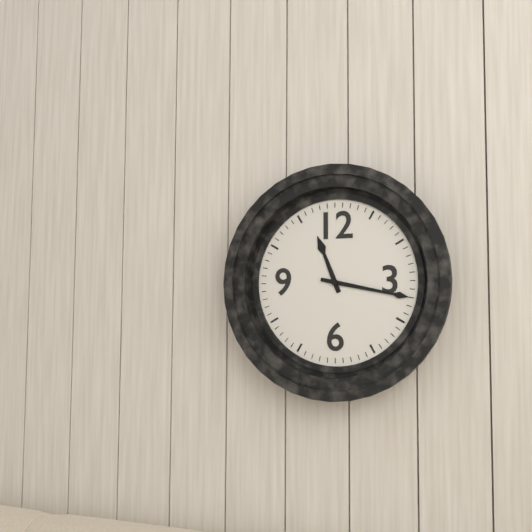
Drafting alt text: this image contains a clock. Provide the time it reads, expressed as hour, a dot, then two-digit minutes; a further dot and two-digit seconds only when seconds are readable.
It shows 11.17
